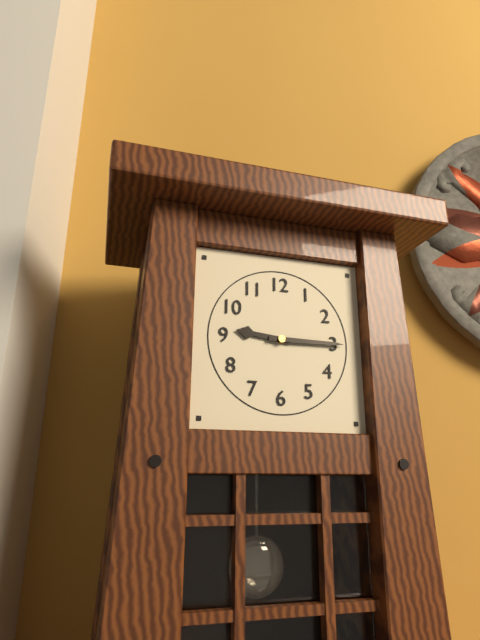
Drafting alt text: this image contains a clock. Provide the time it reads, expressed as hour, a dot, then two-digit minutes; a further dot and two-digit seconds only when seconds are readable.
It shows 9.15
